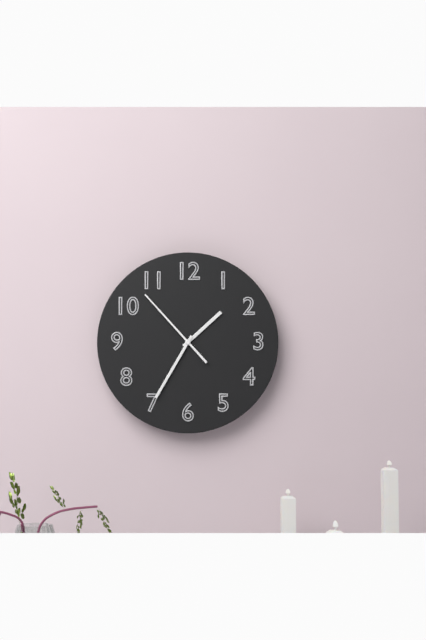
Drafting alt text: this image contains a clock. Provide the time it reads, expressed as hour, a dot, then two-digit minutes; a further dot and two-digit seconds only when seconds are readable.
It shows 1.35.53
